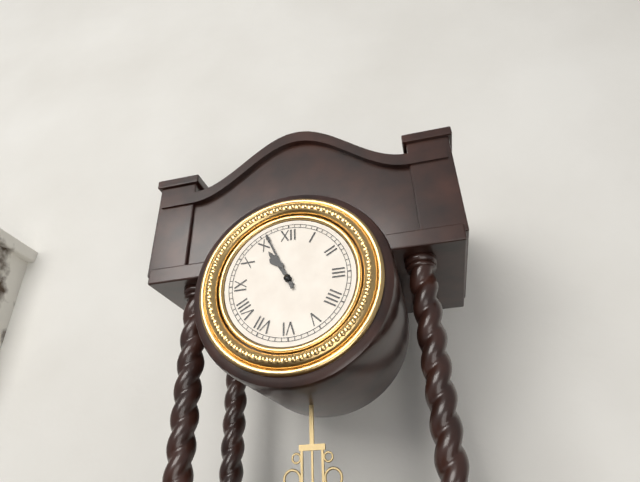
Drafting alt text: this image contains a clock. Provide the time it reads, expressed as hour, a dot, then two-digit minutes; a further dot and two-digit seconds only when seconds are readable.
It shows 10.56
